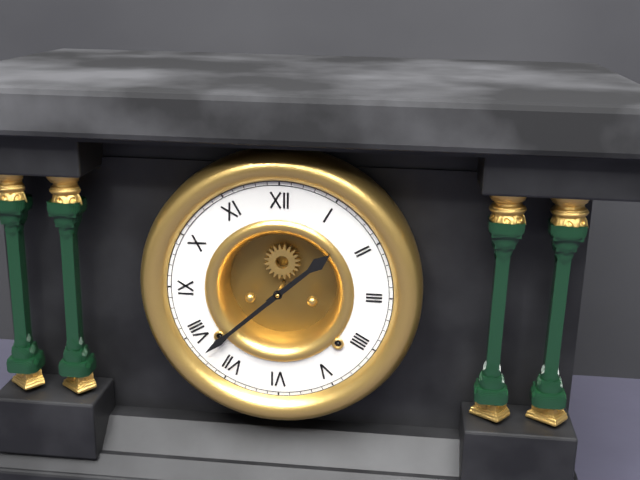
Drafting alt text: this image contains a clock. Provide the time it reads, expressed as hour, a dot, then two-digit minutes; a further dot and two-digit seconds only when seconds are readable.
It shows 1.38
